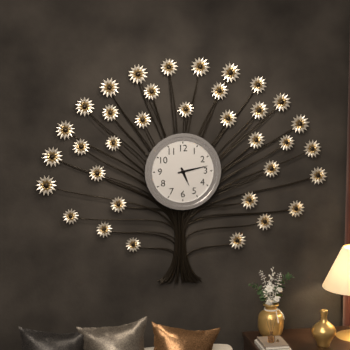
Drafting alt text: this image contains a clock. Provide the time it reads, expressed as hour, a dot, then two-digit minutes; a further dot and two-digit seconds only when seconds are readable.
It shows 5.13
